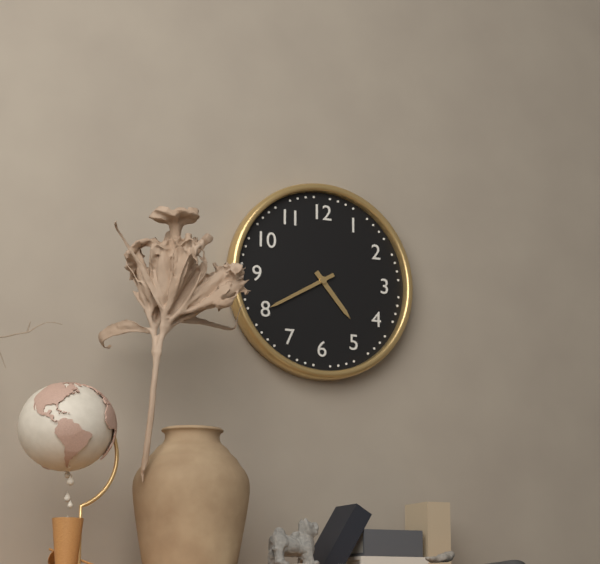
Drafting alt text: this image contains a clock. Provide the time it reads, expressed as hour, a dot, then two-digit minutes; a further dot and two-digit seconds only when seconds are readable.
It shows 4.40
